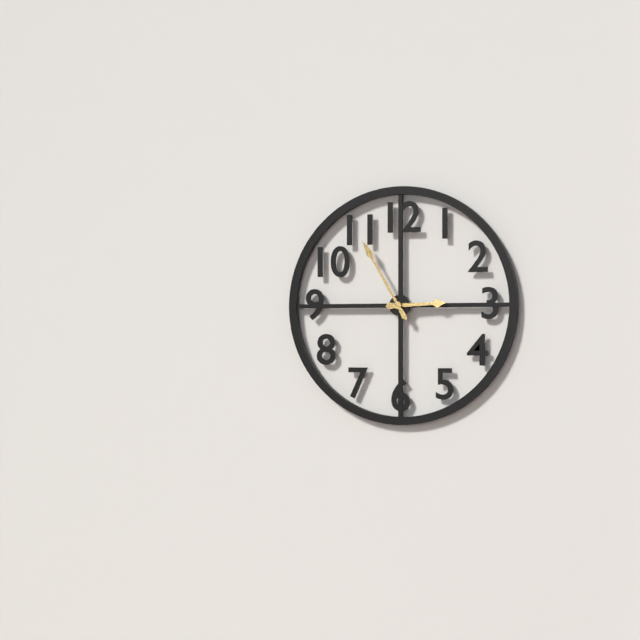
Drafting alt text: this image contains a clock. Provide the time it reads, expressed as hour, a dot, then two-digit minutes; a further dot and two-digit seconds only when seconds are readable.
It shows 2.55
